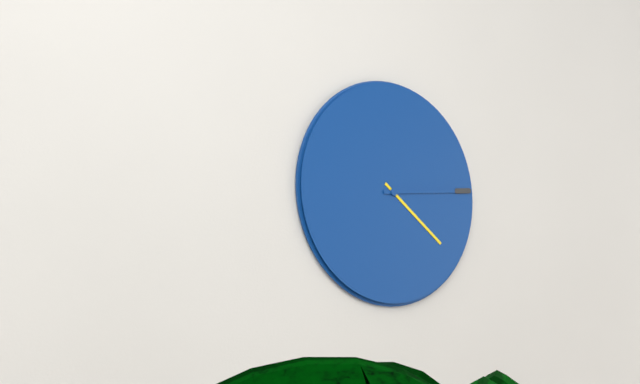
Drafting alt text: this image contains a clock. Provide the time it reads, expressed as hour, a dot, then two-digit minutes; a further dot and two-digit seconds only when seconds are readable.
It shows 4.14
